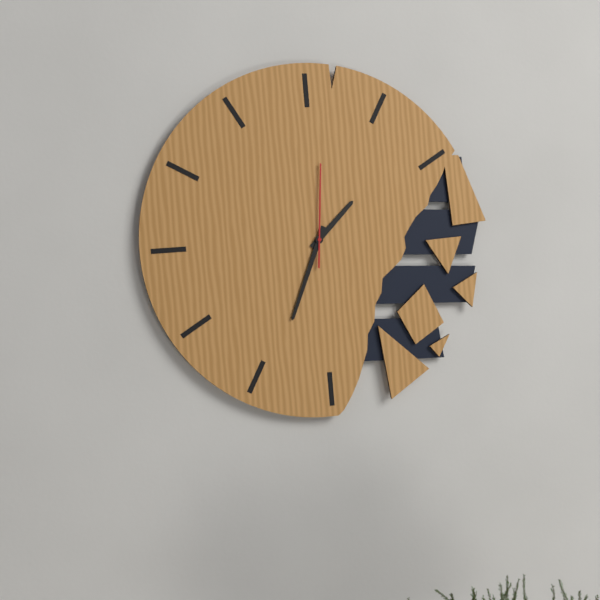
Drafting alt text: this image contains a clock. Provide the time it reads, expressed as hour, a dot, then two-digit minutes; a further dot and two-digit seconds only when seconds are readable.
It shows 1.34.01
